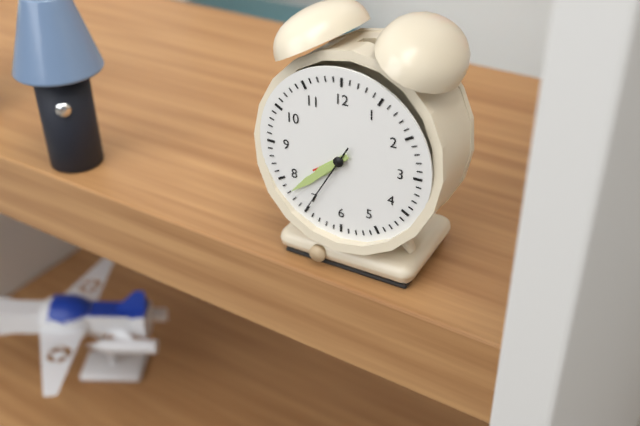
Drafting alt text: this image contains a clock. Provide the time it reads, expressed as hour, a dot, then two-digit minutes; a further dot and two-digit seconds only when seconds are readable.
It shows 7.38.35
